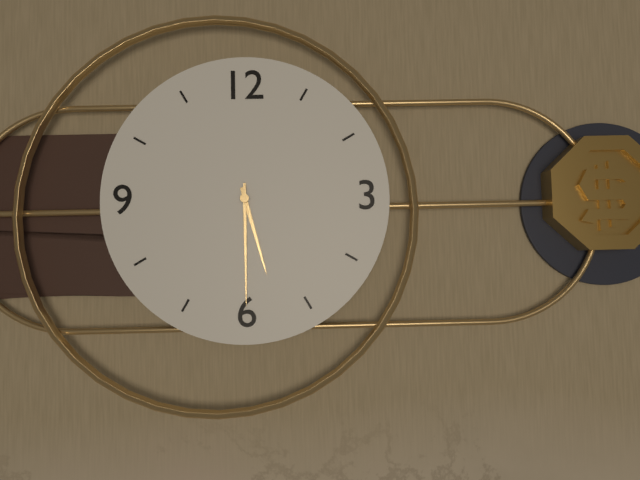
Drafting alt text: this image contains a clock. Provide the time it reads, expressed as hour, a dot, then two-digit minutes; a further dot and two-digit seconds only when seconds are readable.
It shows 5.30
